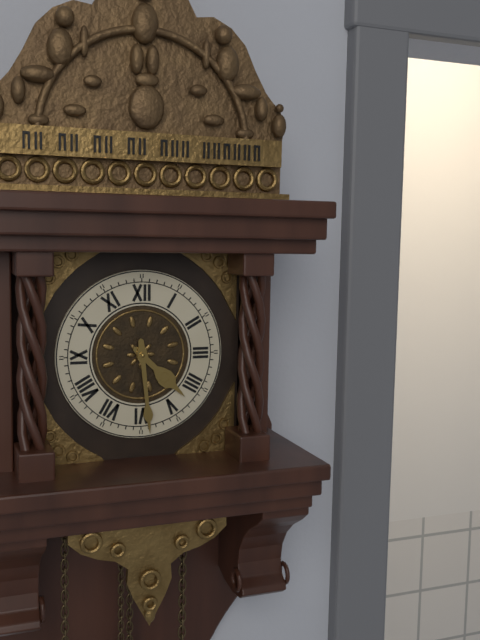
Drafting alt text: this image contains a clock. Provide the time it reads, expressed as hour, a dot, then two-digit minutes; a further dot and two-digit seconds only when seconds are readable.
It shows 4.29
